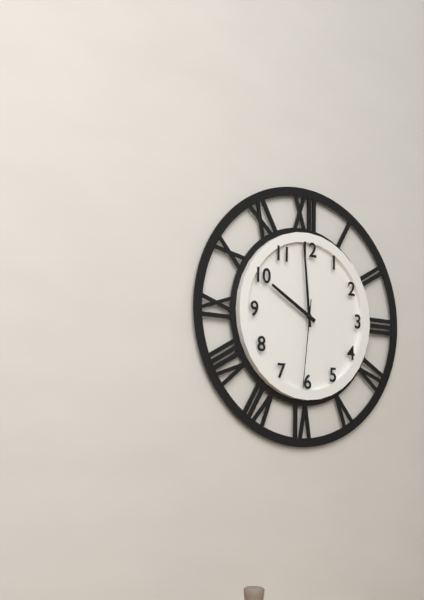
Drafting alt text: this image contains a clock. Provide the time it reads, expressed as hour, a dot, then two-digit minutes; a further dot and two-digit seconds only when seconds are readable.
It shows 9.59.31
